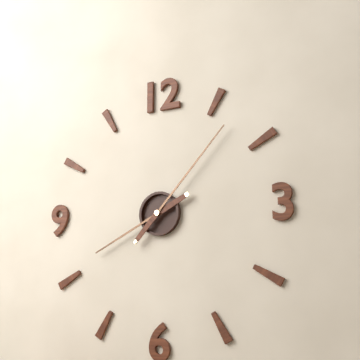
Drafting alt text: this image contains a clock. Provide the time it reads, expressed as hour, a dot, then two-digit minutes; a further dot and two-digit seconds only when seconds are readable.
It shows 8.07
